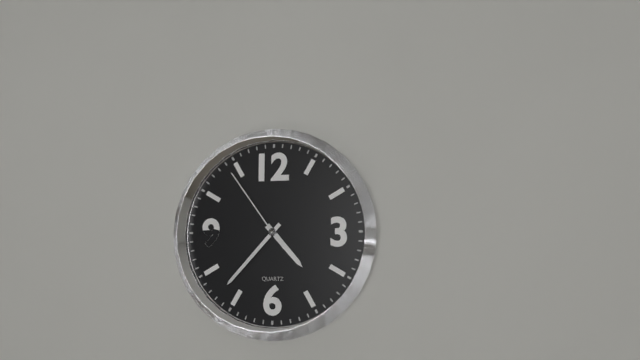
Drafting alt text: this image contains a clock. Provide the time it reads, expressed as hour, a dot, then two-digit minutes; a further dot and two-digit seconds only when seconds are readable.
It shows 4.37.54
